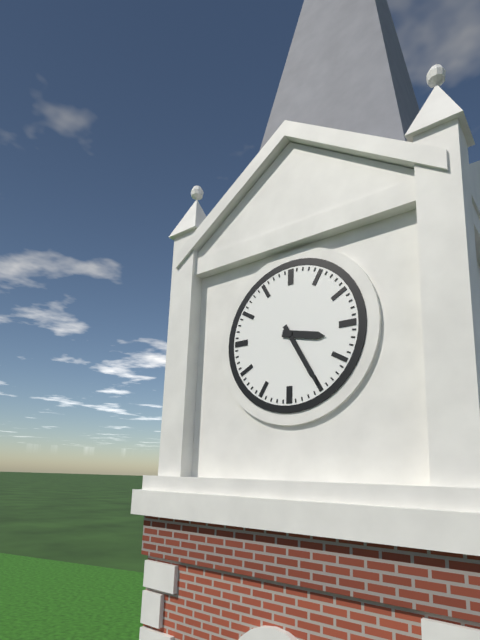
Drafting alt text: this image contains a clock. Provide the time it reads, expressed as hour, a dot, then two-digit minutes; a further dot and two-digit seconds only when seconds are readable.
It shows 3.25
